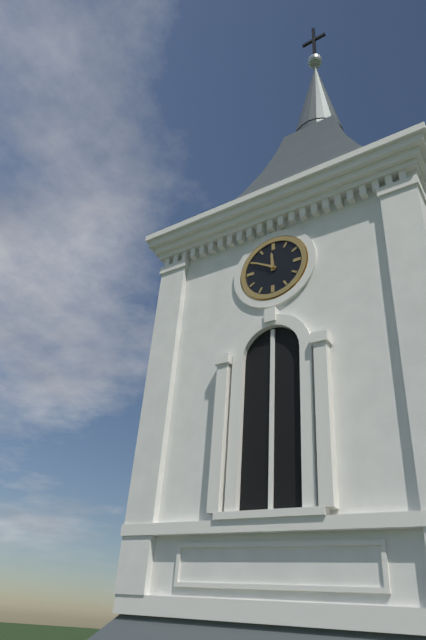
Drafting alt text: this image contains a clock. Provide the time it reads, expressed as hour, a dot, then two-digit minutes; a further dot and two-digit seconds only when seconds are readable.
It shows 11.50
